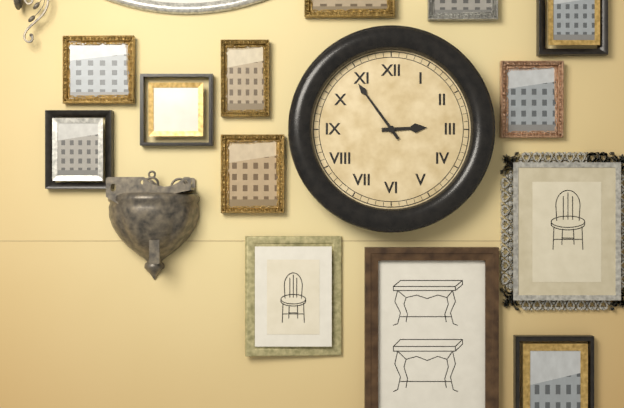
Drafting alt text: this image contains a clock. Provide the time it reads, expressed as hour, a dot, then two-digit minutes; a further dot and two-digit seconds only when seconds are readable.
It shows 2.54
